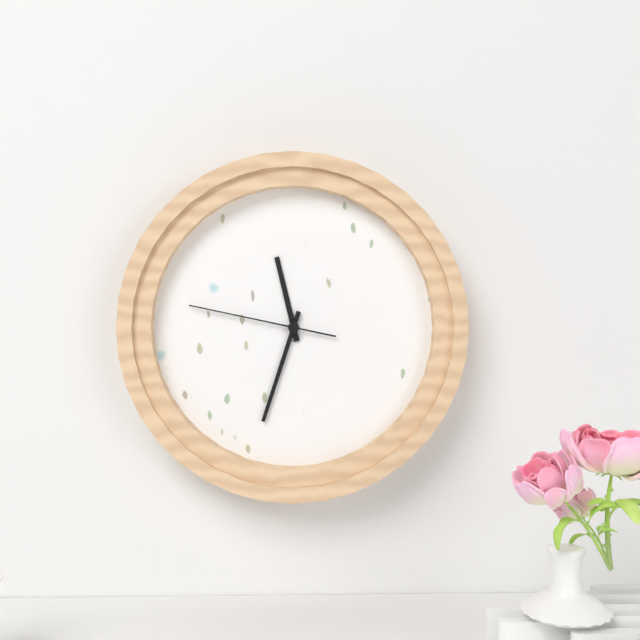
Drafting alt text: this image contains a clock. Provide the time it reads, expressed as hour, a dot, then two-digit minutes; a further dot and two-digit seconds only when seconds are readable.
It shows 11.33.47
